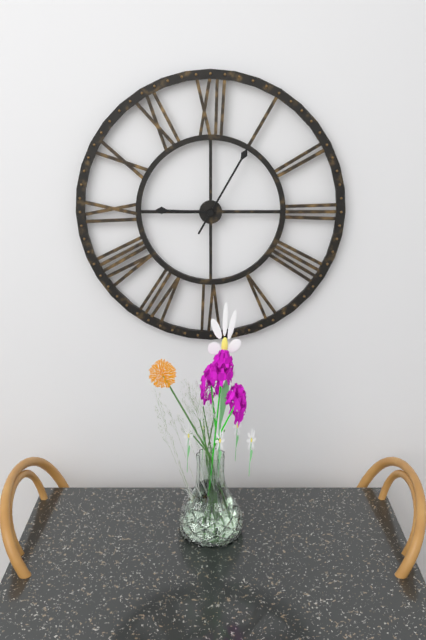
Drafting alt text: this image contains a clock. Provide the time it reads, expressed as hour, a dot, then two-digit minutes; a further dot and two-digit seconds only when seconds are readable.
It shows 9.05
